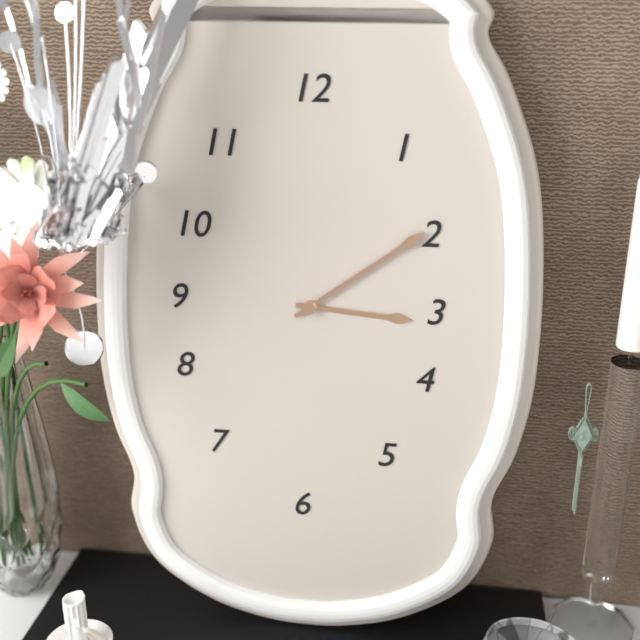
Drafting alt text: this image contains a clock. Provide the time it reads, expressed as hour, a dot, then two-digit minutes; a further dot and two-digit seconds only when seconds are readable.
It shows 3.09
